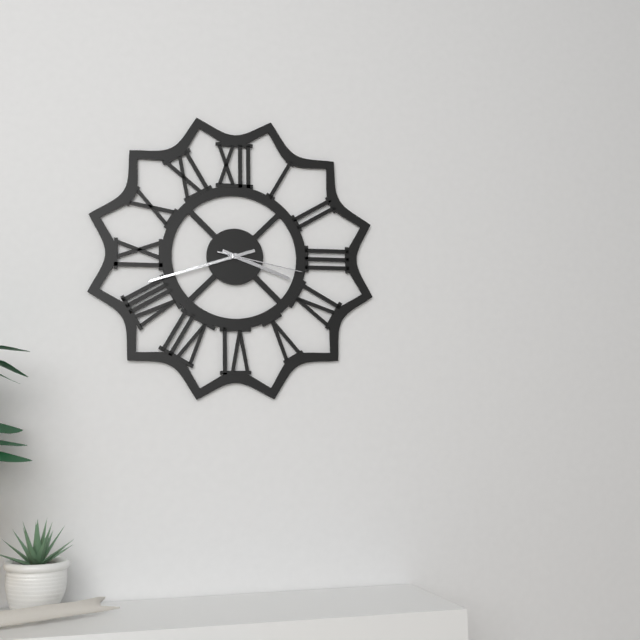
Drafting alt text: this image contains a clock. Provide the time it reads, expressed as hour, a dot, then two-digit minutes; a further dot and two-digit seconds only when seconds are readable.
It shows 3.42.17
